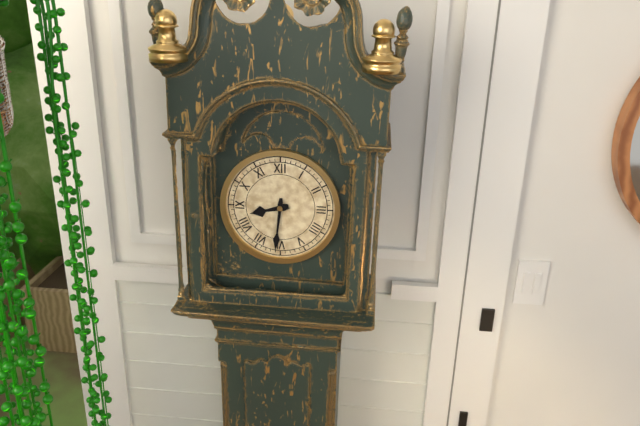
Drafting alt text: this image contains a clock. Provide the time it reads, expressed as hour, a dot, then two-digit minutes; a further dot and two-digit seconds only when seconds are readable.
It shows 8.31
